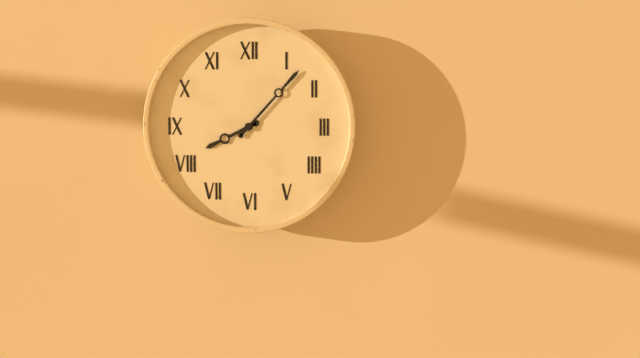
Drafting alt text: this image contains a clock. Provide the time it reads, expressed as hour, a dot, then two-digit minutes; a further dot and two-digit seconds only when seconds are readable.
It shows 8.07
